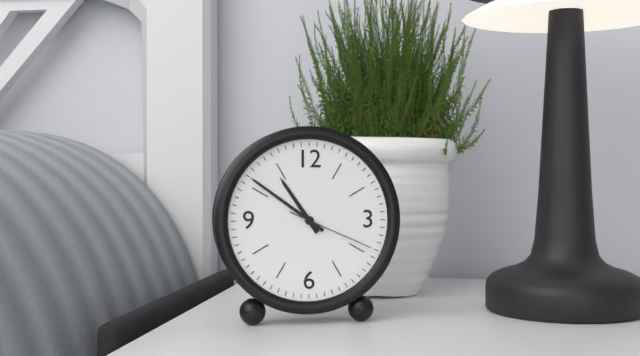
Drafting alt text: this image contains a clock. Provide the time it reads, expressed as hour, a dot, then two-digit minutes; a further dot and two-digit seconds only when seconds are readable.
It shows 10.51.19
